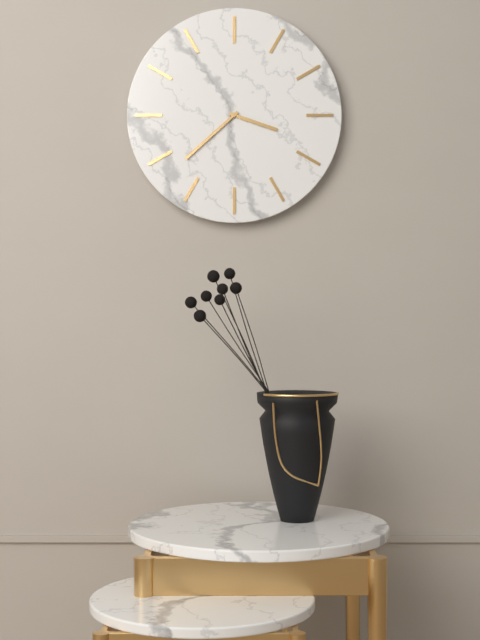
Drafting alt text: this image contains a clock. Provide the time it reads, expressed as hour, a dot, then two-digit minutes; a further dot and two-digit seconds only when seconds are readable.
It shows 3.38
